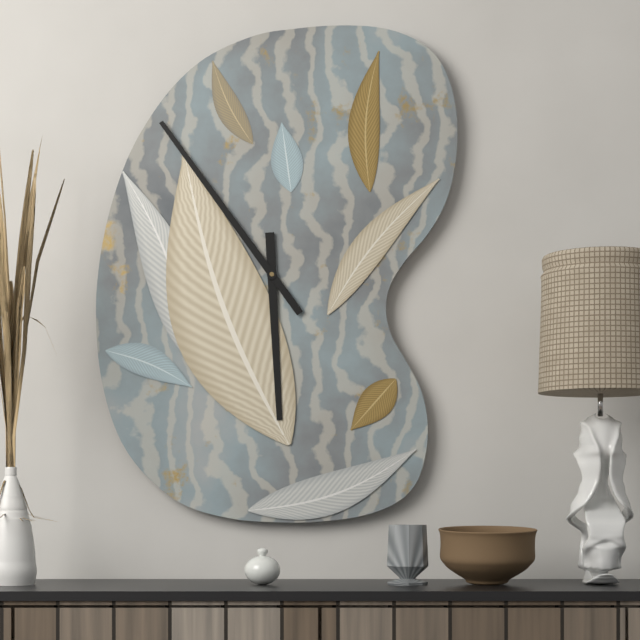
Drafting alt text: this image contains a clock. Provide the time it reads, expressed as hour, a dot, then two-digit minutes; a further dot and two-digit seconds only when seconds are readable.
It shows 5.54
